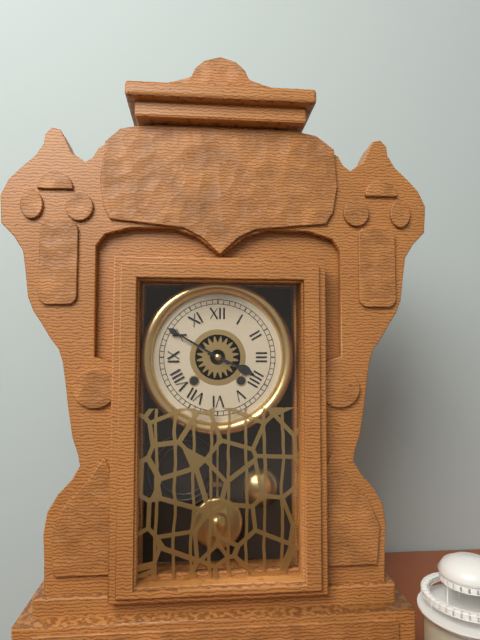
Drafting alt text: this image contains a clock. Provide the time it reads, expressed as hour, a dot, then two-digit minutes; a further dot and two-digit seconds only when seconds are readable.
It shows 3.50
